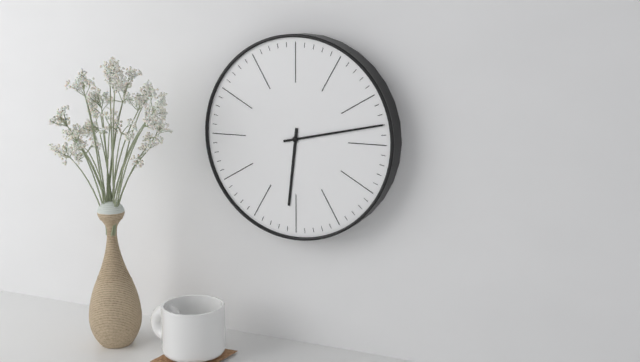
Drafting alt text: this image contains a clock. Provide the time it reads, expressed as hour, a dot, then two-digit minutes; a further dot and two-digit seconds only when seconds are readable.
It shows 6.13
